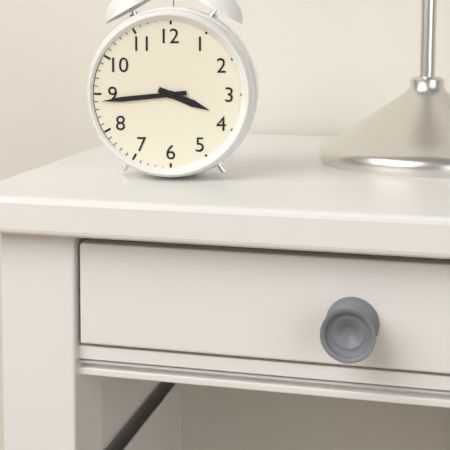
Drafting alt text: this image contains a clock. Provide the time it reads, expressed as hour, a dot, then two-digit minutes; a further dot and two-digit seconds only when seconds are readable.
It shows 3.44
